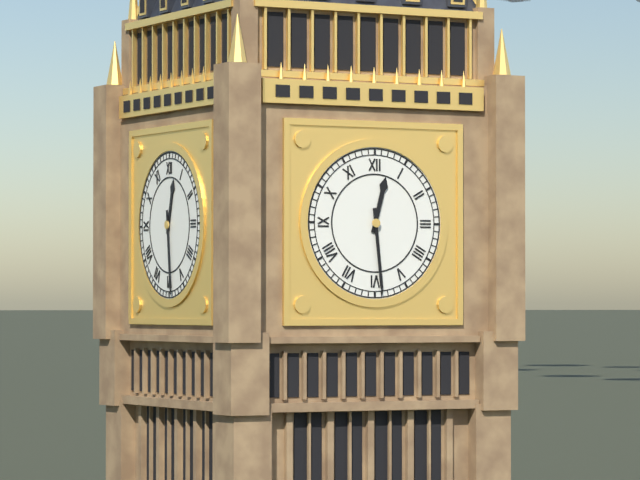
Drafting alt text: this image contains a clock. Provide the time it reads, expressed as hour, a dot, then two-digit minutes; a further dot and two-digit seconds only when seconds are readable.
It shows 12.29
